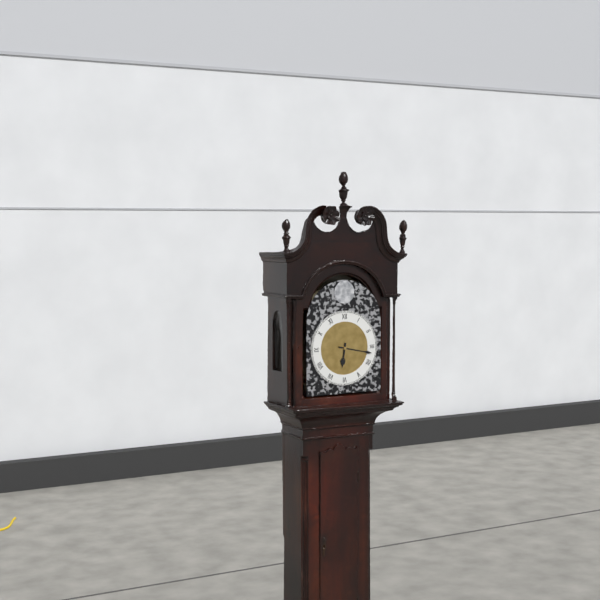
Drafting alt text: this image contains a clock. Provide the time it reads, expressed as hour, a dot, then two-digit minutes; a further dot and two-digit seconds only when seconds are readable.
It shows 6.17
